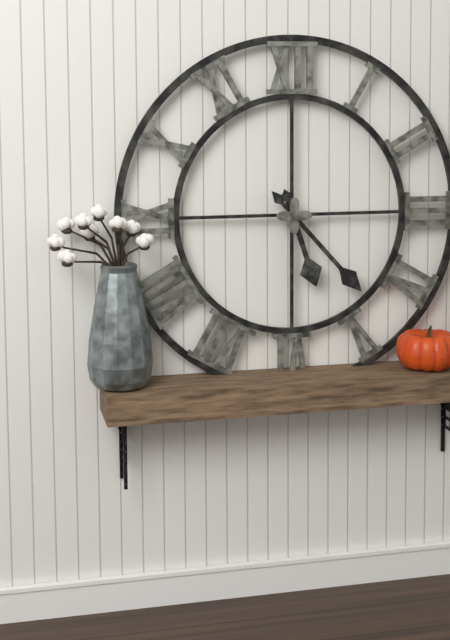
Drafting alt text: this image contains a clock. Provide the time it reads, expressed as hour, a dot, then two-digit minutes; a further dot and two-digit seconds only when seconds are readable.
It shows 5.23
